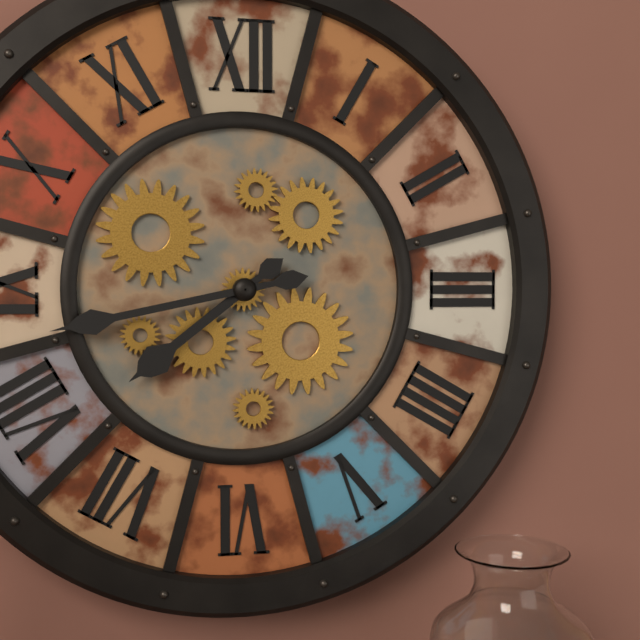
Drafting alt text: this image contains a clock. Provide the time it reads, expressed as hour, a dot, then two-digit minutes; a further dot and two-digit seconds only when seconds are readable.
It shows 7.43
